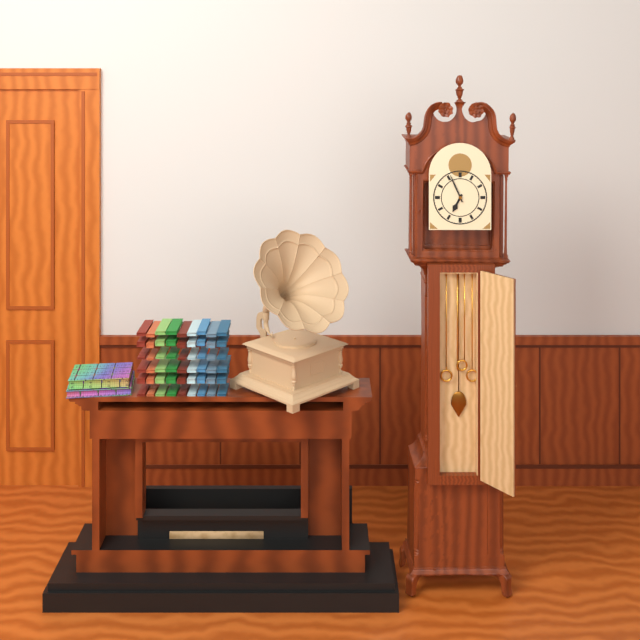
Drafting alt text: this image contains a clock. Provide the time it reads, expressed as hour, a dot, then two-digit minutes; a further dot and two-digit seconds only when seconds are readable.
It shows 6.56
